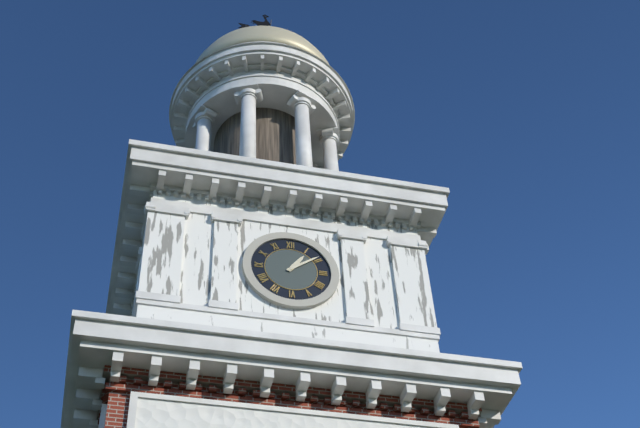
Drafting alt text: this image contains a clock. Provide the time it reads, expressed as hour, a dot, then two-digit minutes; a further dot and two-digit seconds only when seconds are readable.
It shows 1.09
